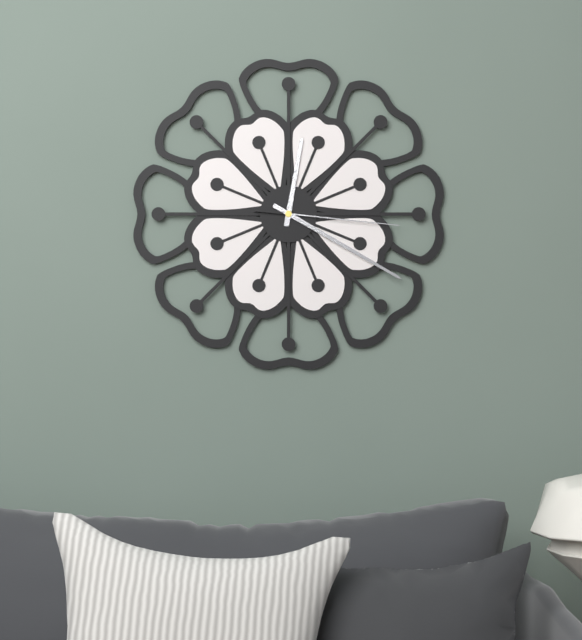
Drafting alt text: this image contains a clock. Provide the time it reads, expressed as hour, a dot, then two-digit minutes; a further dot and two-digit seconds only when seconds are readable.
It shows 12.20.16
